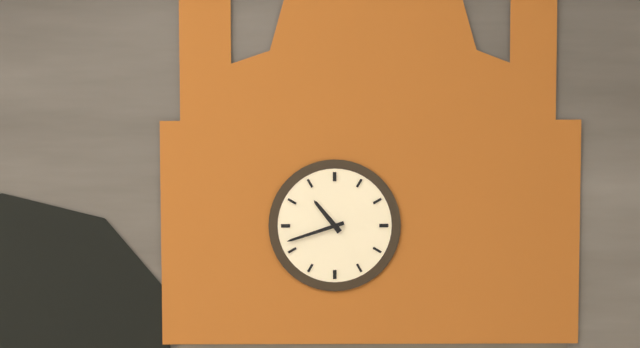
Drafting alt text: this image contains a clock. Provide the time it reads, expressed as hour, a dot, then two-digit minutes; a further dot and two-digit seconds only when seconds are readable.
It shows 10.42
